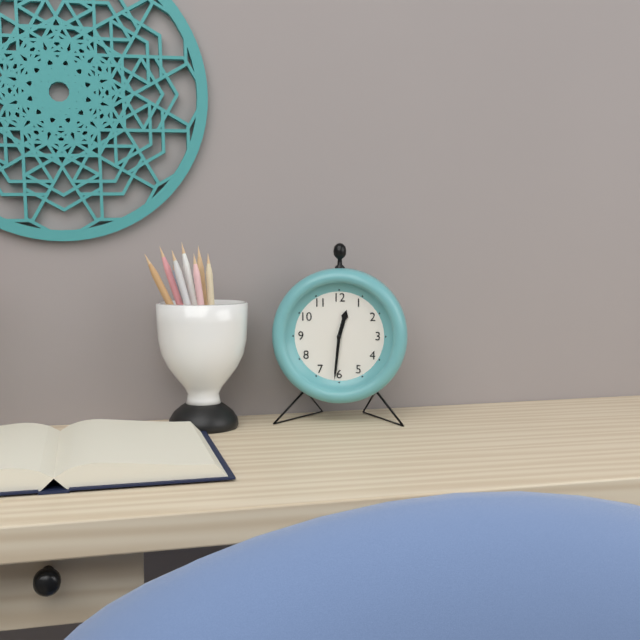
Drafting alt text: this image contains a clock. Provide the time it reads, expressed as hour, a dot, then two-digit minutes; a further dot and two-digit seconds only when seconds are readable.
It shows 12.31
